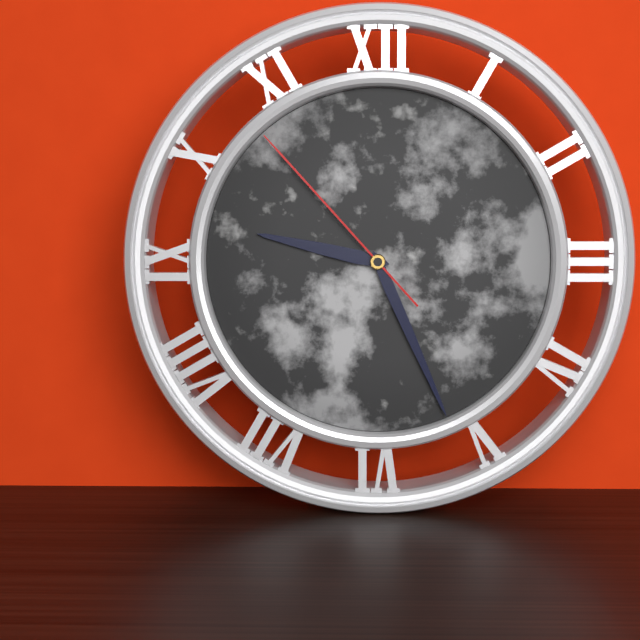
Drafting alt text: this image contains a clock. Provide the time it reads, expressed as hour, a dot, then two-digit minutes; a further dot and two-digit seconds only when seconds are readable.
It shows 9.26.53
